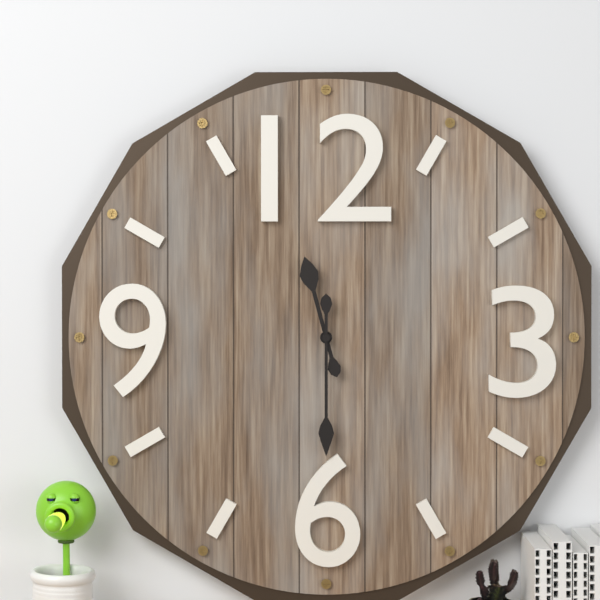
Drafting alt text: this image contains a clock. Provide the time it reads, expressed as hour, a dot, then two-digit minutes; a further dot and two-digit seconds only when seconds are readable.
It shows 11.30
